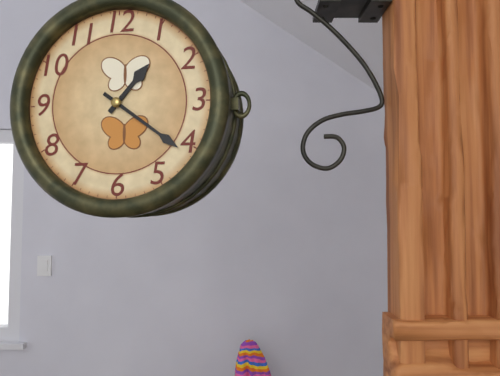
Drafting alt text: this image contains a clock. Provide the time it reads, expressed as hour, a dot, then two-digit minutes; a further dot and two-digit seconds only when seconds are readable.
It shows 1.21
